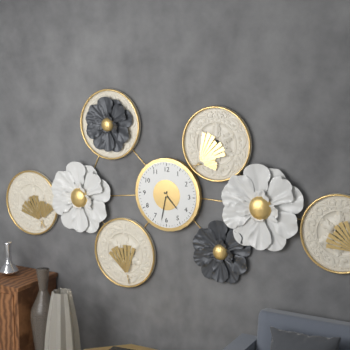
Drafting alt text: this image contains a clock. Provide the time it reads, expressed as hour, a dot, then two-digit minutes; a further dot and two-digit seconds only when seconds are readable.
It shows 4.32
